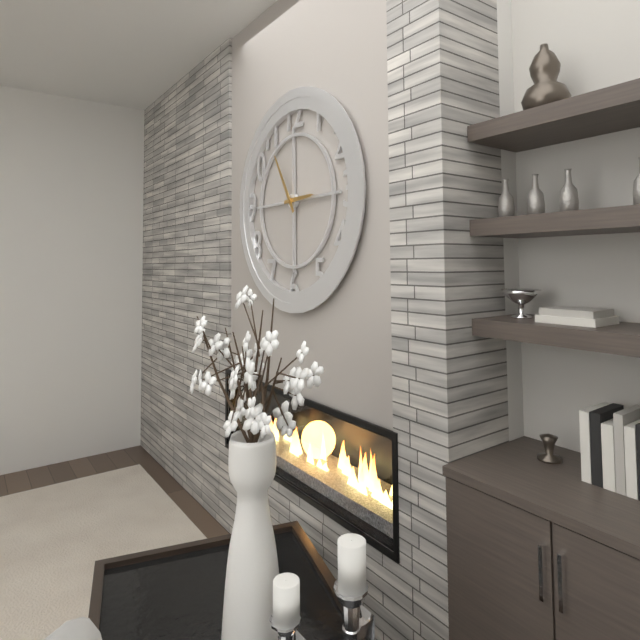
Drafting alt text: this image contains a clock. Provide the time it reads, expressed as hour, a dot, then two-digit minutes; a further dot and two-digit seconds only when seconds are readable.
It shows 2.55
